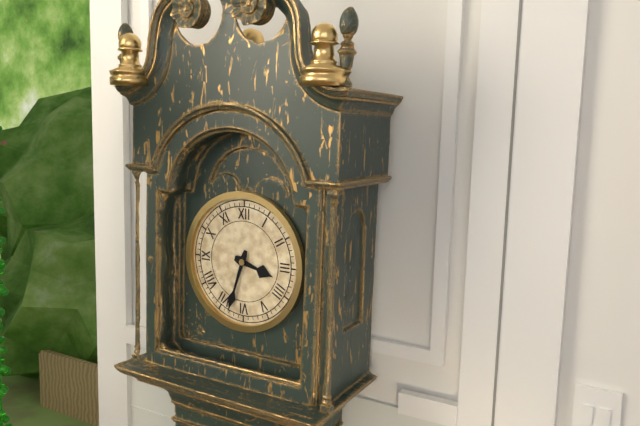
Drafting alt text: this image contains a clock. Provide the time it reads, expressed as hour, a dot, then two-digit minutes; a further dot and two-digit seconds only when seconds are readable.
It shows 3.33
